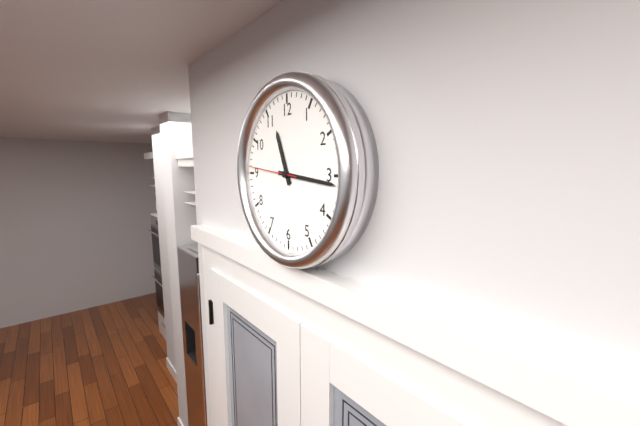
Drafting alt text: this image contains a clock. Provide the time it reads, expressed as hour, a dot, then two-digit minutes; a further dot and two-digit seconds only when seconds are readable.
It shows 11.16
